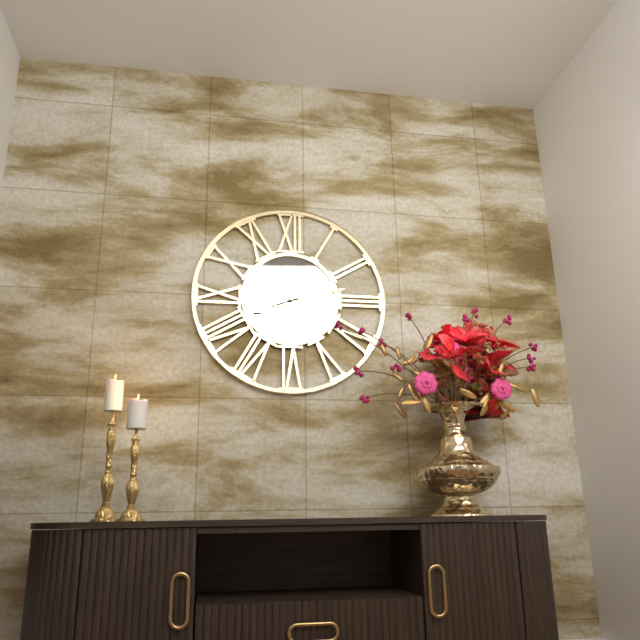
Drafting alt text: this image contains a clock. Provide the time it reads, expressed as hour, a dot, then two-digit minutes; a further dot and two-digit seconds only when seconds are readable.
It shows 8.13
